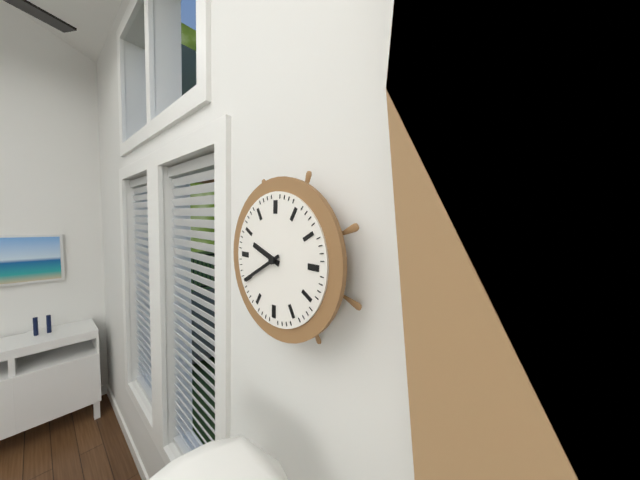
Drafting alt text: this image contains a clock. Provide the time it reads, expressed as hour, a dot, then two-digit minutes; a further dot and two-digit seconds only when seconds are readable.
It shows 9.40
